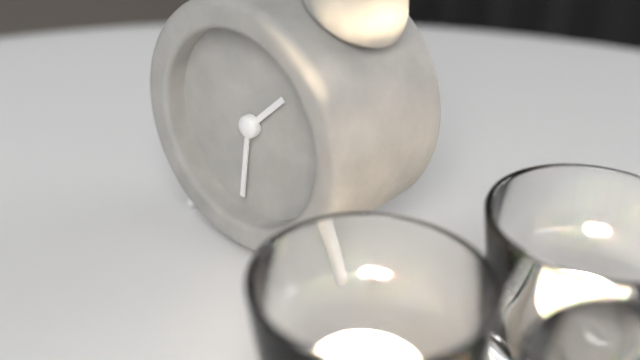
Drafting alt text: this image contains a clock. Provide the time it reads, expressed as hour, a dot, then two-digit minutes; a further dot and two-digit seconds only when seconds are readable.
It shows 1.31
